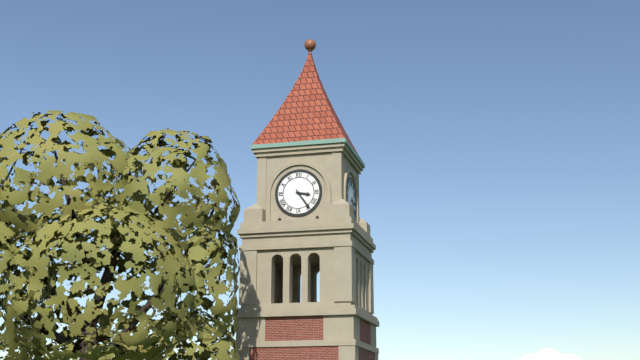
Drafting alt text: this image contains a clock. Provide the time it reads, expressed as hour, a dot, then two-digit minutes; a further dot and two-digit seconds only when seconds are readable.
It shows 3.24
